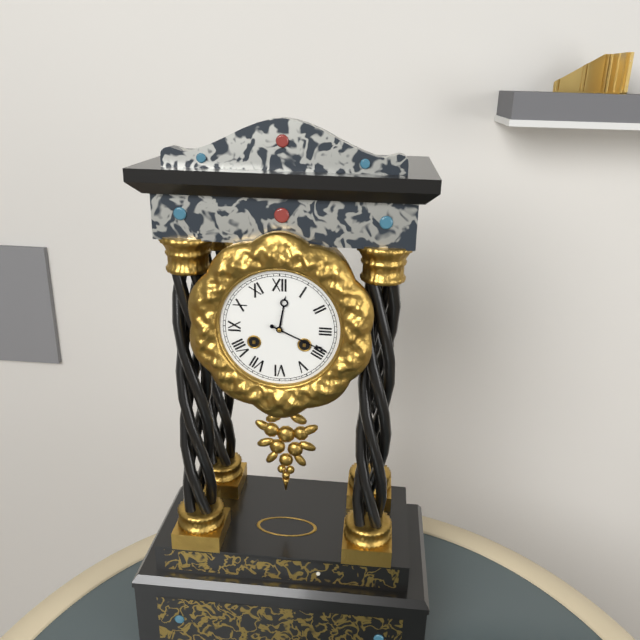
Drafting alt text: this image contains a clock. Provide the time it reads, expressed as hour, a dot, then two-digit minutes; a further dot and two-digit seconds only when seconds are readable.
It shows 12.19
